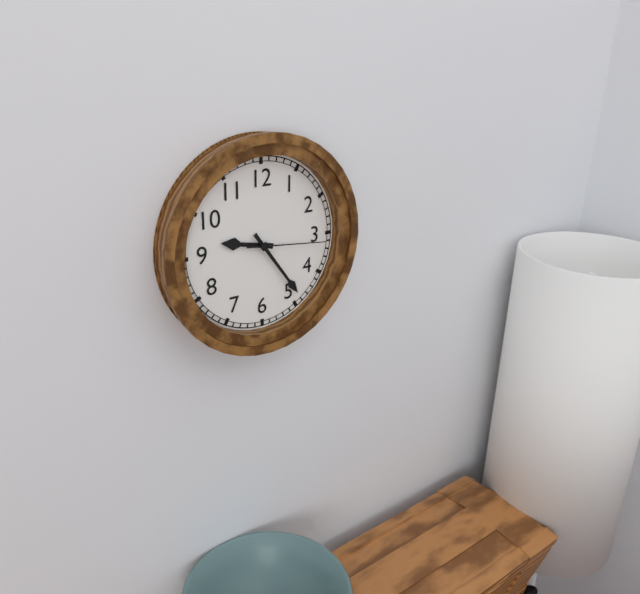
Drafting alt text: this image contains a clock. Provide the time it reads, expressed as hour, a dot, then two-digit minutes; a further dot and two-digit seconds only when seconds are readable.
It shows 9.24.16
